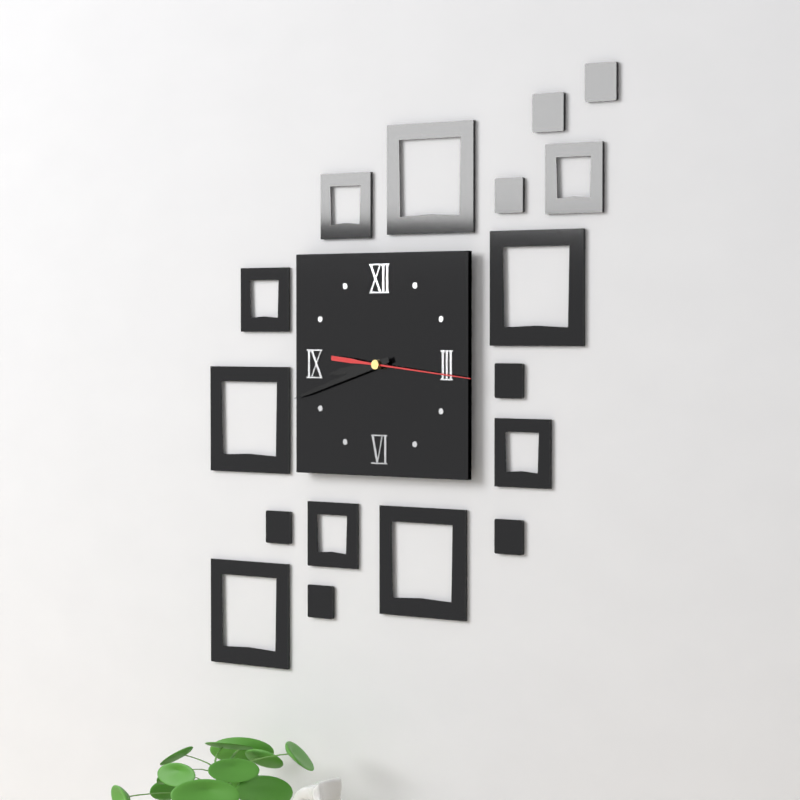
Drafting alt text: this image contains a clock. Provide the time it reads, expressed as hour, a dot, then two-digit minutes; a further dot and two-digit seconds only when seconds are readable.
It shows 8.42.16
